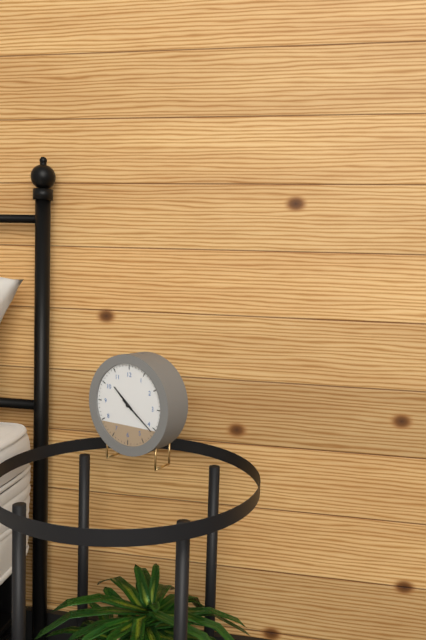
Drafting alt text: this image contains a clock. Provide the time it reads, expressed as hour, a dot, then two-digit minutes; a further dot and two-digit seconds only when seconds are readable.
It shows 10.21
